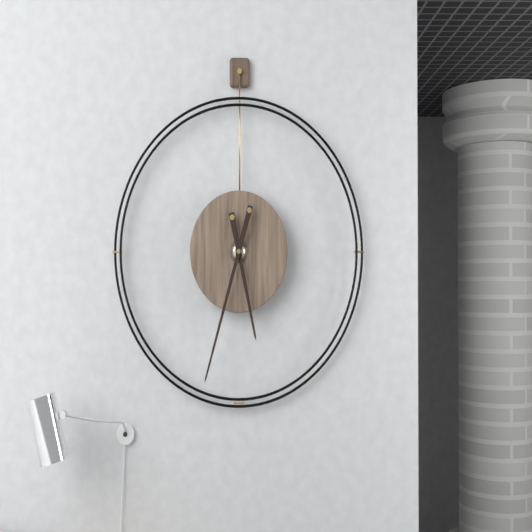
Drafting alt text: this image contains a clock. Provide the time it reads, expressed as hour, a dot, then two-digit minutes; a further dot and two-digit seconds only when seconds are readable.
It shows 5.33
